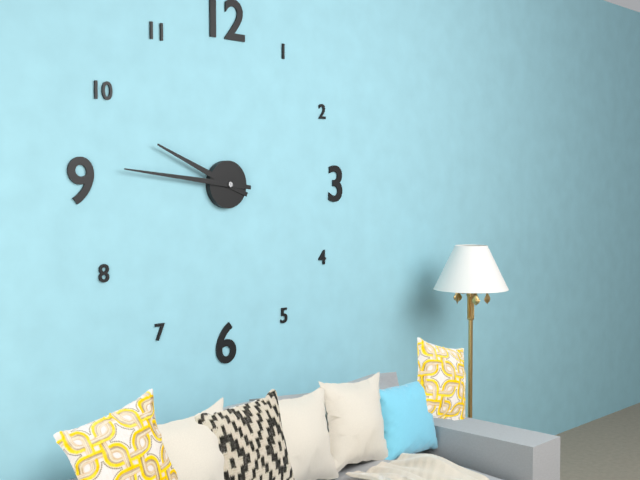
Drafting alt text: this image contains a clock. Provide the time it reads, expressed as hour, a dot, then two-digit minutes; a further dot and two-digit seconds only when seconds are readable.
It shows 9.46
